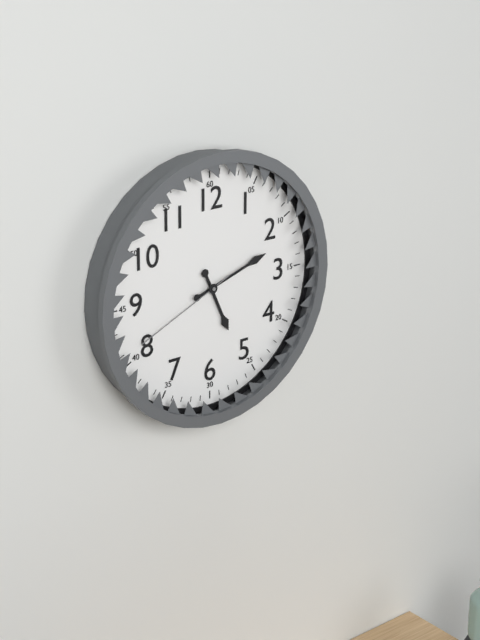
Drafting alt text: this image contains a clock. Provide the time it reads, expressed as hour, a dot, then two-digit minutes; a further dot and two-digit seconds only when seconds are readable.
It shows 5.12.41
